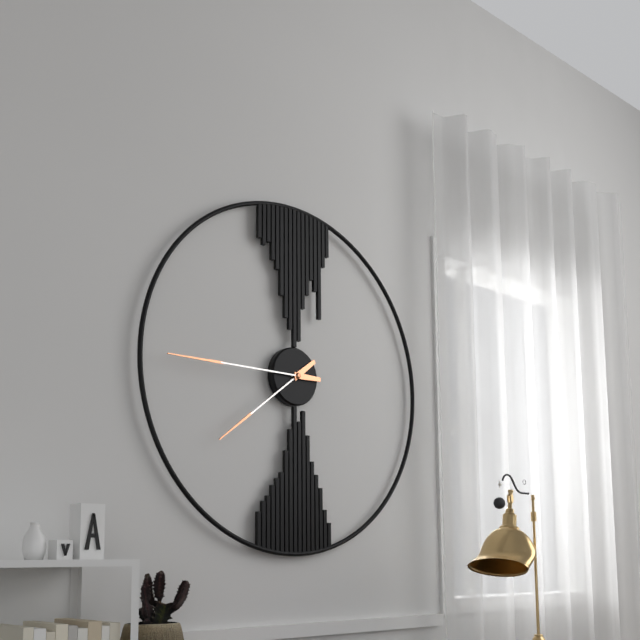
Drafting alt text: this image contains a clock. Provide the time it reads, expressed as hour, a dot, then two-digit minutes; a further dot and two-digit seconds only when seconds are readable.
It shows 7.45
